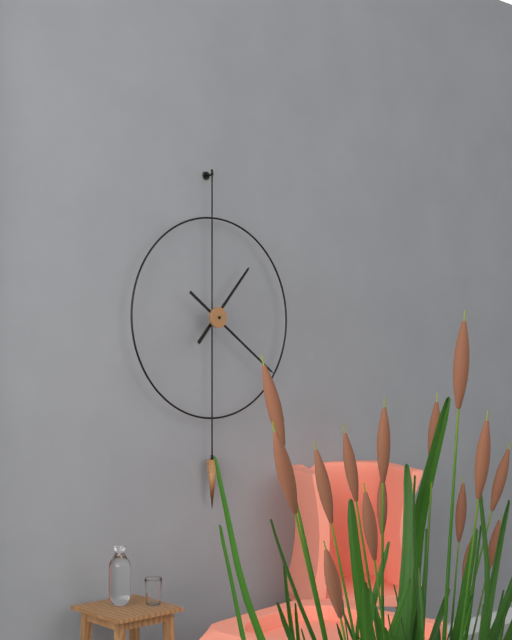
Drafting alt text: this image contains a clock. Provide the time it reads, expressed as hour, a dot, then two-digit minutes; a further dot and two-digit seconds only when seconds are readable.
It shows 1.21
